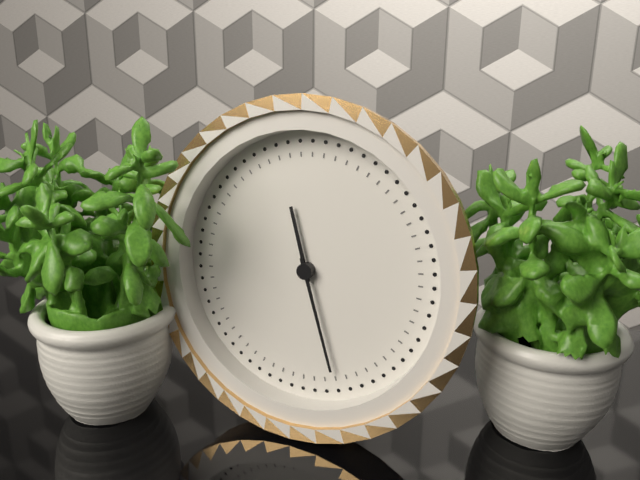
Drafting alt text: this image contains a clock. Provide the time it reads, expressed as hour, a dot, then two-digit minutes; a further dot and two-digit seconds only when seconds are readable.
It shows 11.27
